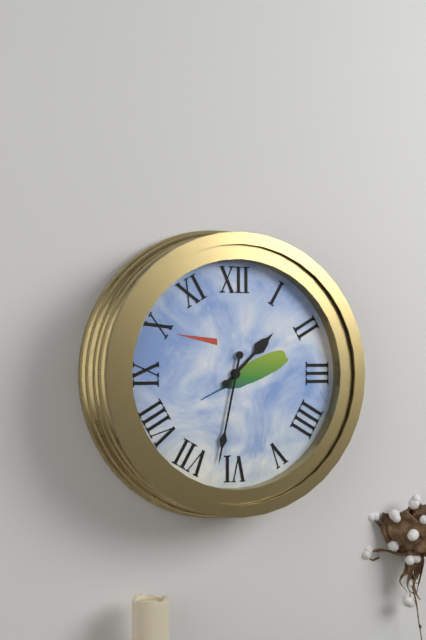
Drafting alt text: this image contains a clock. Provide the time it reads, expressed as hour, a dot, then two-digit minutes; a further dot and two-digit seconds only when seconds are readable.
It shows 1.32
